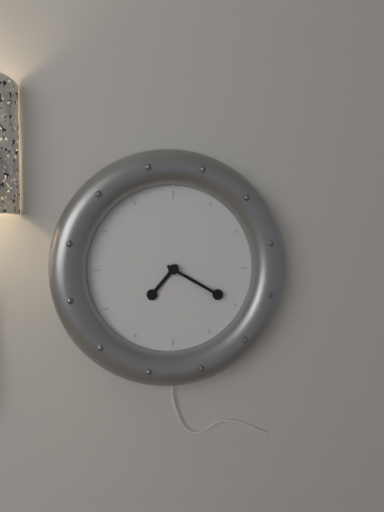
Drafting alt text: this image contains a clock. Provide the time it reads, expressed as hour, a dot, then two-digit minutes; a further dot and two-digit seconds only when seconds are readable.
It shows 7.20
